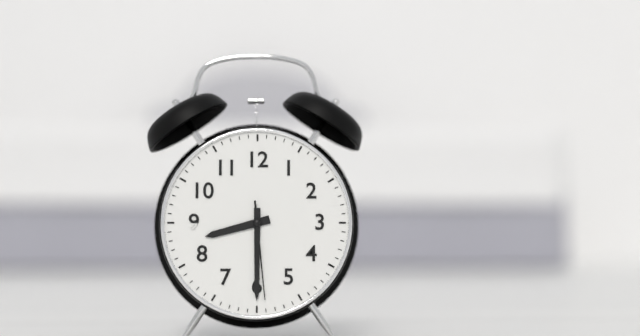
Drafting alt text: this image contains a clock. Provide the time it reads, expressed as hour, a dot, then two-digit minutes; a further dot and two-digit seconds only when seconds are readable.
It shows 8.30.29
